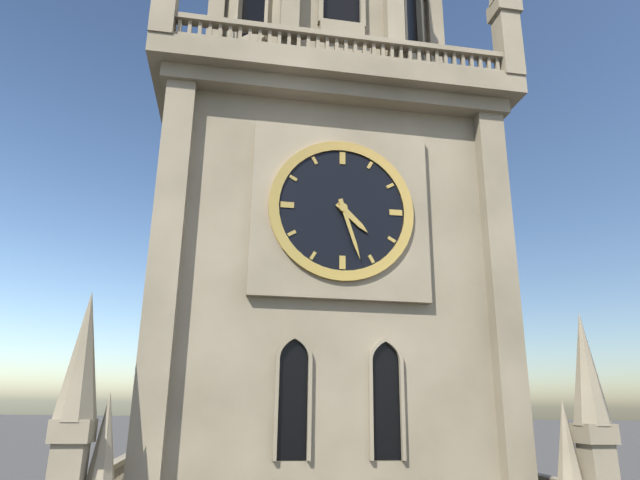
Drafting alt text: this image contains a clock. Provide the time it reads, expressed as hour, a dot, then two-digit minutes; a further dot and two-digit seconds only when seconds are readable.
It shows 4.27
